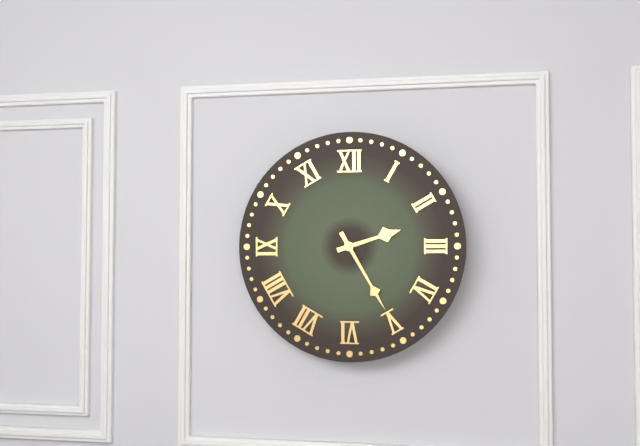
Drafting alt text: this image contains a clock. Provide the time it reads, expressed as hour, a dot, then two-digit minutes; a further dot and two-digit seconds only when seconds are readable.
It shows 2.25
